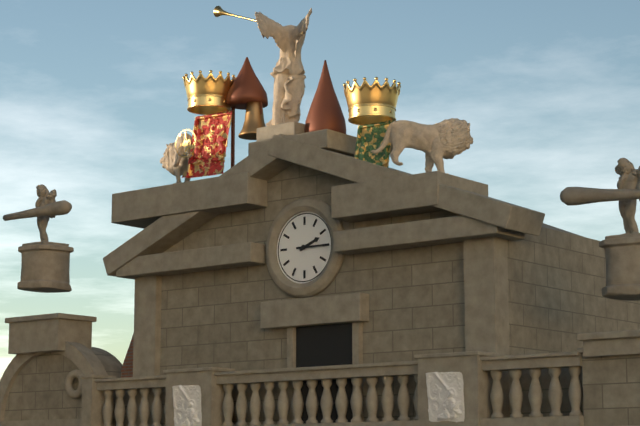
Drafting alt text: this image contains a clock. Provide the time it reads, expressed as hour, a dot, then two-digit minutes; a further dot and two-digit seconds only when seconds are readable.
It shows 2.15
